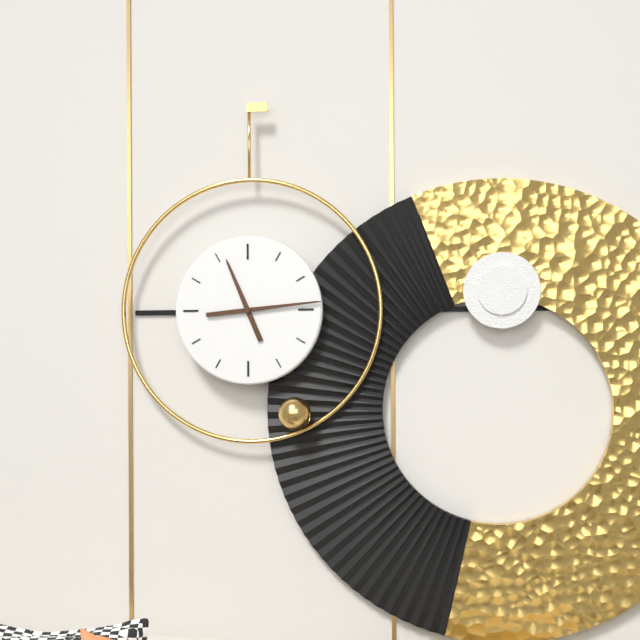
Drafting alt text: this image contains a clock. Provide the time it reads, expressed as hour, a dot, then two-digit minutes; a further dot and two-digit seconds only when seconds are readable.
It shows 11.14
